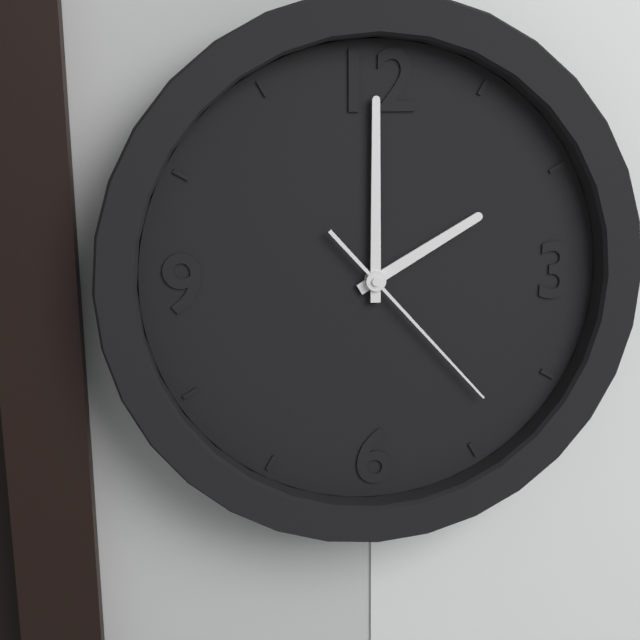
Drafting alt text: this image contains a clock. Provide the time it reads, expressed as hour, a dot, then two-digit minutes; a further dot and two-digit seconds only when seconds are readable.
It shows 2.00.23
